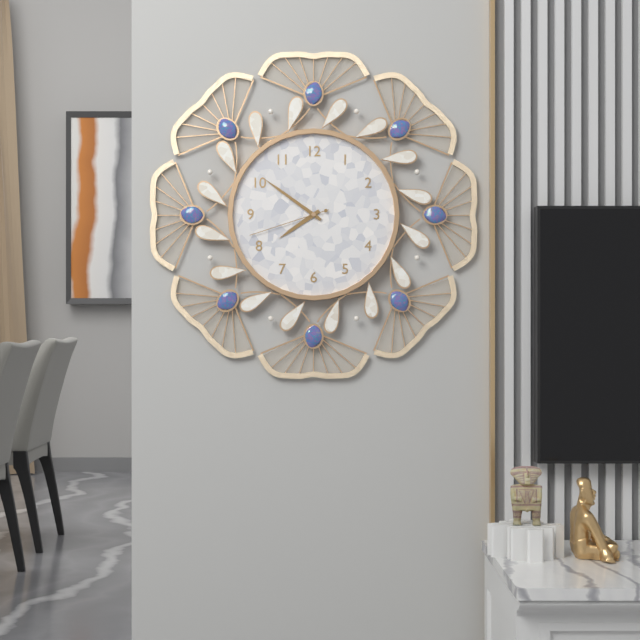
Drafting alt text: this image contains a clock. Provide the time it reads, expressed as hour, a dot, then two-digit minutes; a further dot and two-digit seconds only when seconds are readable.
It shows 7.51.42
